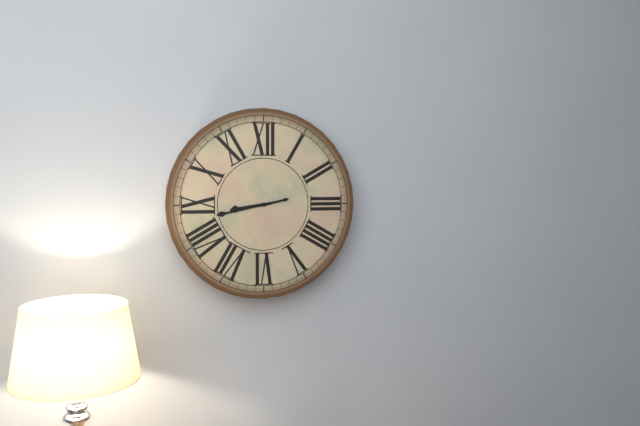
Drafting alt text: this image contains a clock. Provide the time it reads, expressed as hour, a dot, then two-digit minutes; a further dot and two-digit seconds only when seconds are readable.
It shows 8.43
